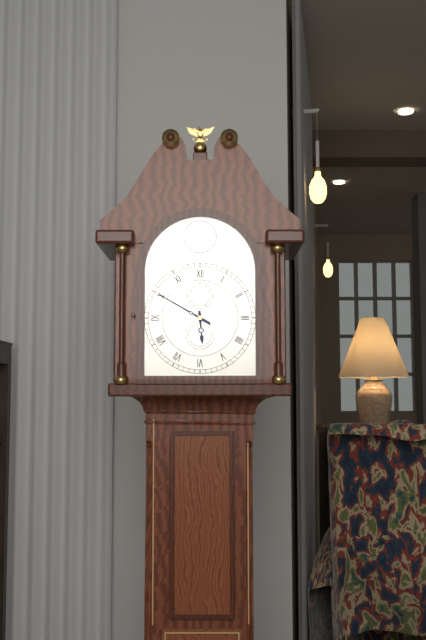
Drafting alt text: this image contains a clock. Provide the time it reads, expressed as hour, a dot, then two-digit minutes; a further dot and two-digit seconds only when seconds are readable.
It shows 5.50
